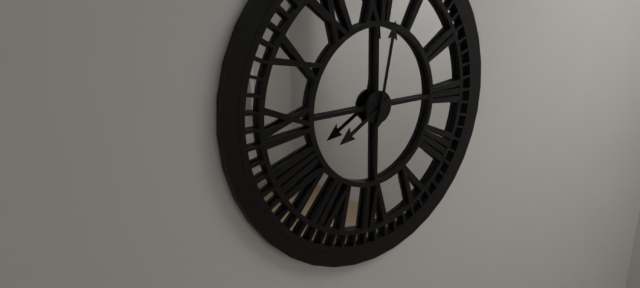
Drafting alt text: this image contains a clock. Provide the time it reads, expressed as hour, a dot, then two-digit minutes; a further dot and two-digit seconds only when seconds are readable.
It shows 8.02
